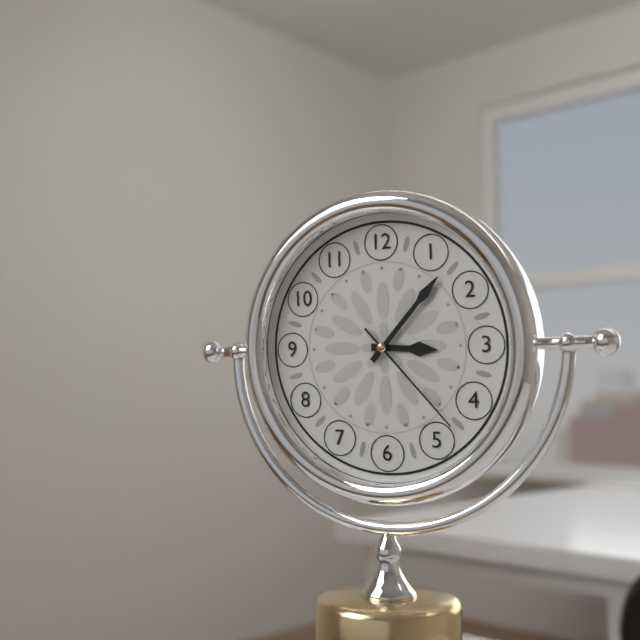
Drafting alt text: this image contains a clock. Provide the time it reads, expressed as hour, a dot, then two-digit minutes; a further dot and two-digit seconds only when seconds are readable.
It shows 3.07.23
